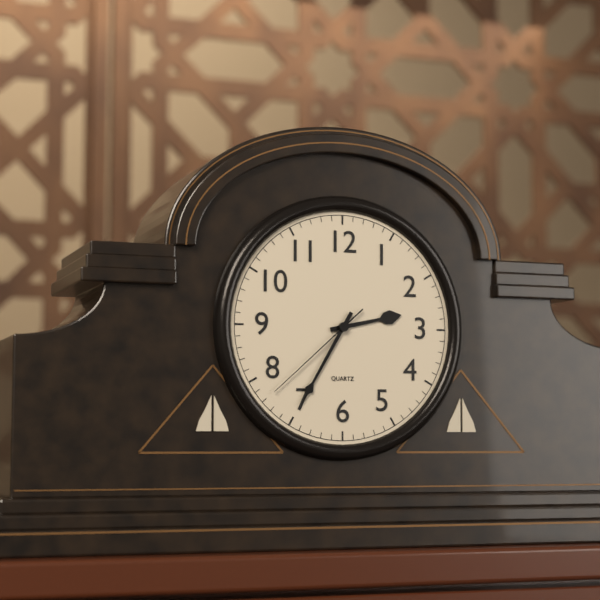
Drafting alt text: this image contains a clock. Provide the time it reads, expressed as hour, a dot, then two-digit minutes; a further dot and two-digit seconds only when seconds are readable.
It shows 2.35.38
